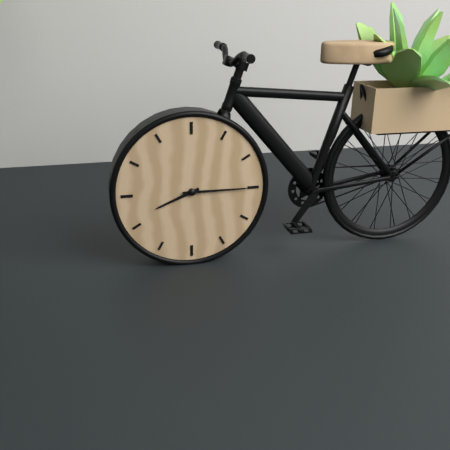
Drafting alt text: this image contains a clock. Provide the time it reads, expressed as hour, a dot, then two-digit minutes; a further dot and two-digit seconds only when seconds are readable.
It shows 8.15
